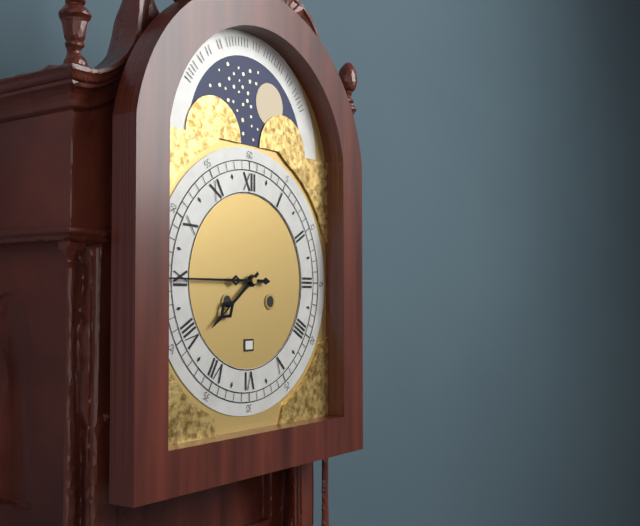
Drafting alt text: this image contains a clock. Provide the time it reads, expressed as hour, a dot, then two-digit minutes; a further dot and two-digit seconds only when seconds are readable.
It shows 7.45
